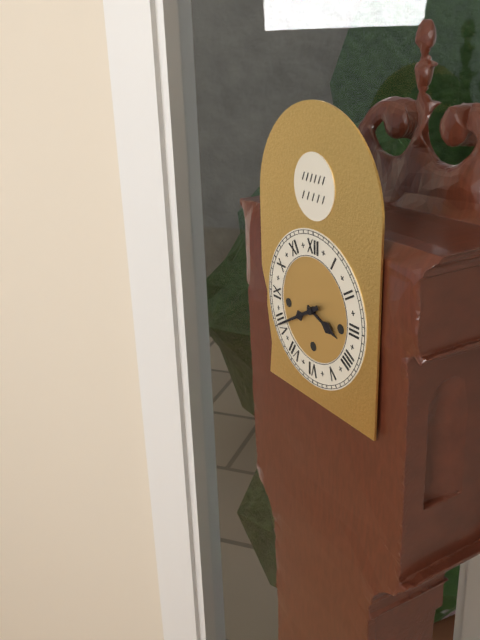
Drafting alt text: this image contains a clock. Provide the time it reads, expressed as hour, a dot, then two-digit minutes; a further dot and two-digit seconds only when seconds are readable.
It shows 3.40
